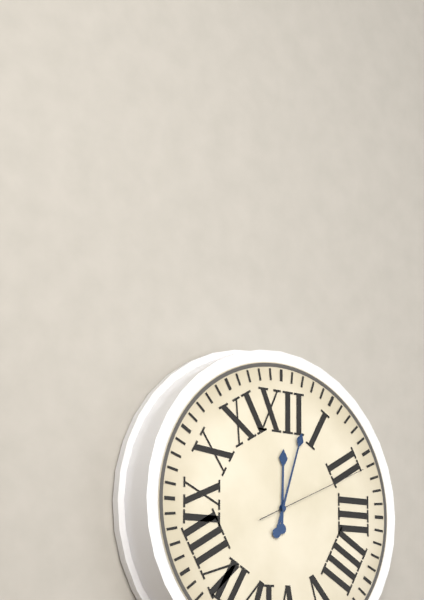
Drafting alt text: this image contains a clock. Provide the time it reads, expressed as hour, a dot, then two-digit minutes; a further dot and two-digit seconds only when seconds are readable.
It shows 12.03.11
